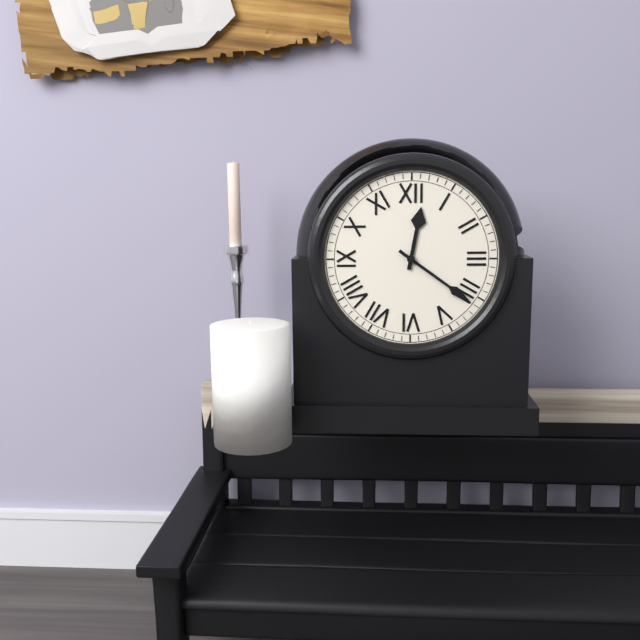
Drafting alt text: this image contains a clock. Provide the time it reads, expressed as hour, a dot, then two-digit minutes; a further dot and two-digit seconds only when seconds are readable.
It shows 12.21
